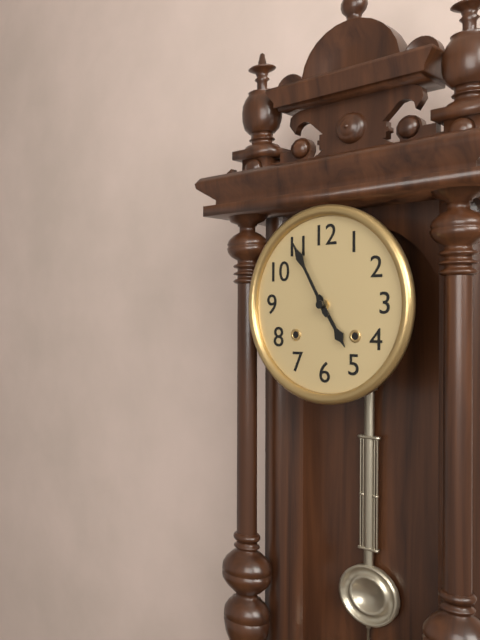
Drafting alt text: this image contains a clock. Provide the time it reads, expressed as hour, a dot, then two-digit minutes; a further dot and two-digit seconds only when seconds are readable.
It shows 4.55
